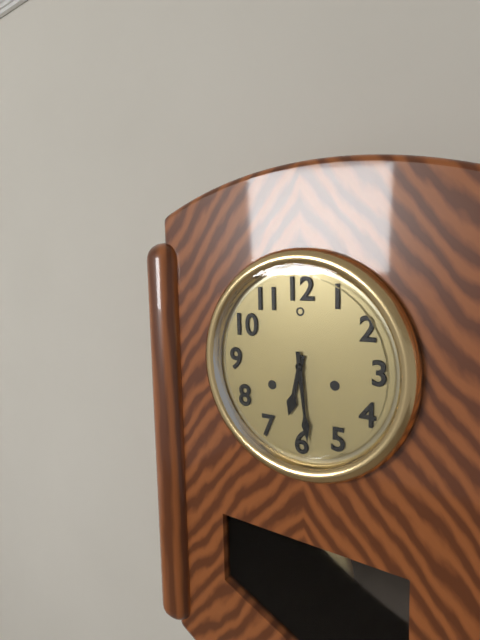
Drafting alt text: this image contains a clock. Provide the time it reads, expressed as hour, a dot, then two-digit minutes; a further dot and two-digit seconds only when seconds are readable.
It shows 6.29
